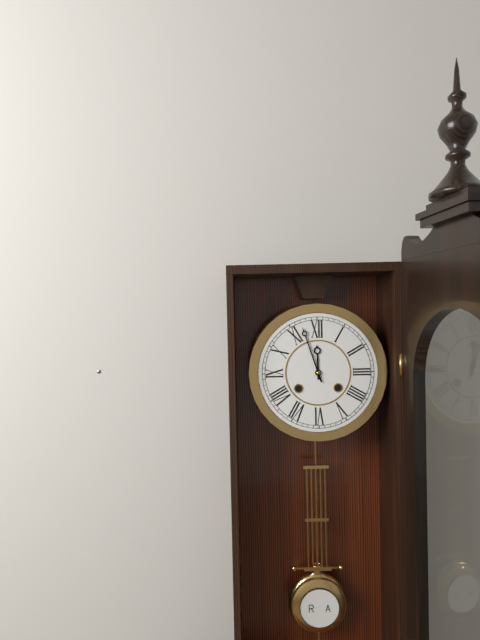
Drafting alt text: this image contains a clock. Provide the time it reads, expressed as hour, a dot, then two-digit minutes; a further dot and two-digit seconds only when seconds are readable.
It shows 11.57
